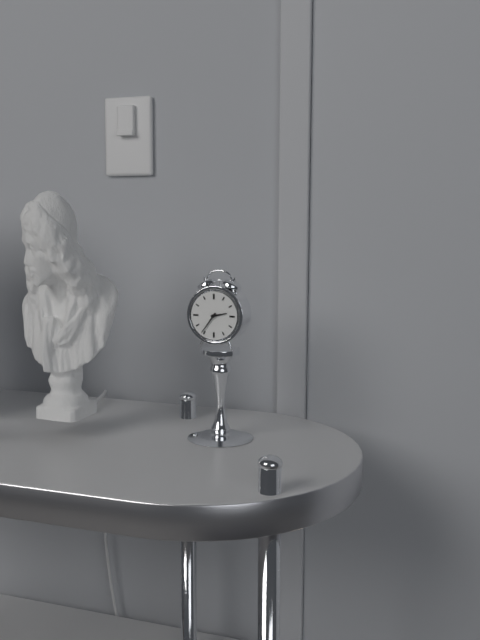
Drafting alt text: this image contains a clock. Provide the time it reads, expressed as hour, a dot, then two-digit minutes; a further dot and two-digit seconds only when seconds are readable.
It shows 2.36
